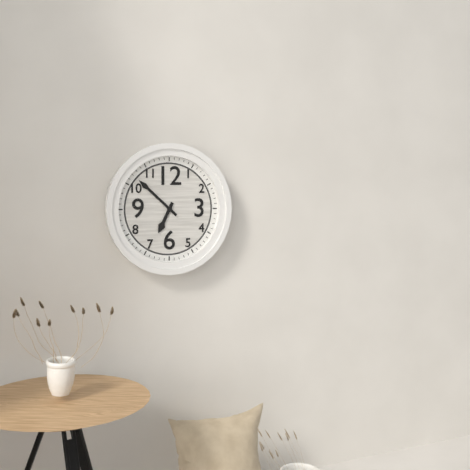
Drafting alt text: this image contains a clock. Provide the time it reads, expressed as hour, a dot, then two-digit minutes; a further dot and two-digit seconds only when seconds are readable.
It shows 6.52
